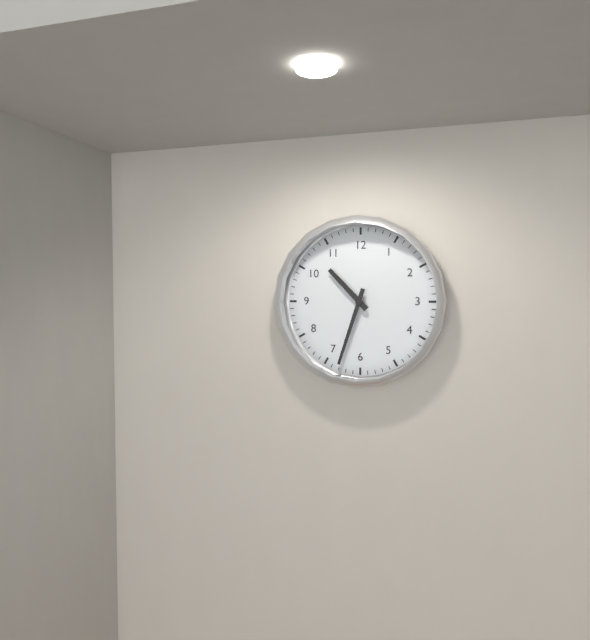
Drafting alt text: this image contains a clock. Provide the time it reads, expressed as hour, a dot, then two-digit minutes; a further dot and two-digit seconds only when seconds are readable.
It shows 10.33
